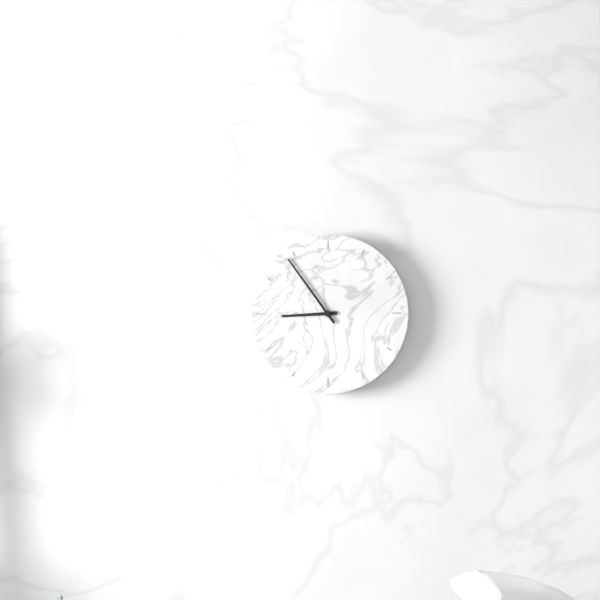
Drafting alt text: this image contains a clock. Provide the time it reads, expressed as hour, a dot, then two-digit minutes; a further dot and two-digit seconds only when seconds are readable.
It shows 8.54
